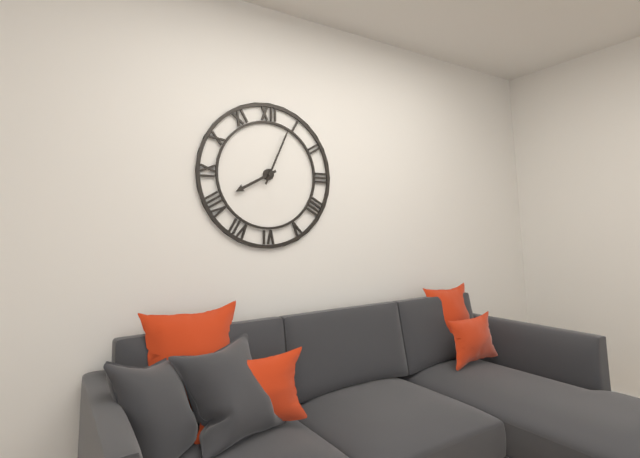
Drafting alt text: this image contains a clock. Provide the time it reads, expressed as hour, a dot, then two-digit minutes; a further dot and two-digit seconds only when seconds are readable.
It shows 8.04
